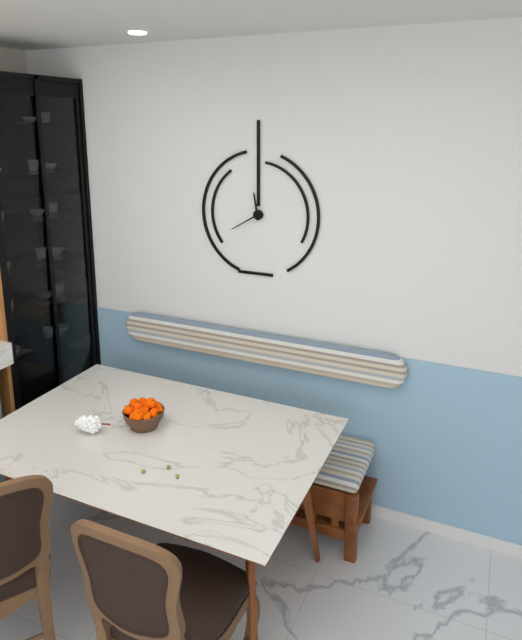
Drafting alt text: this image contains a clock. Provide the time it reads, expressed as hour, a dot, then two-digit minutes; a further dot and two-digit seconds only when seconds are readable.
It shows 11.40
